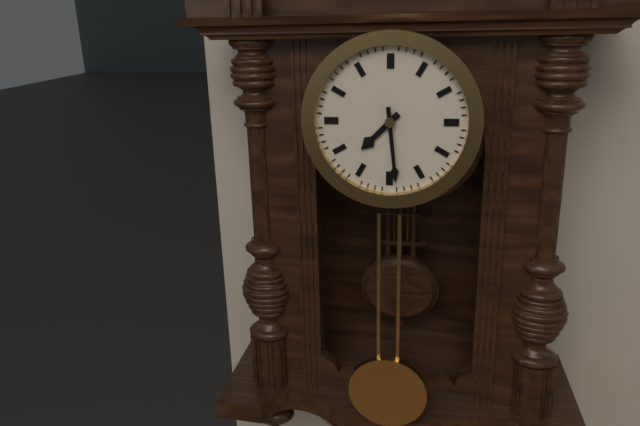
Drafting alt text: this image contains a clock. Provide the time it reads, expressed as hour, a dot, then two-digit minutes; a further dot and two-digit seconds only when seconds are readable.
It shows 7.29
